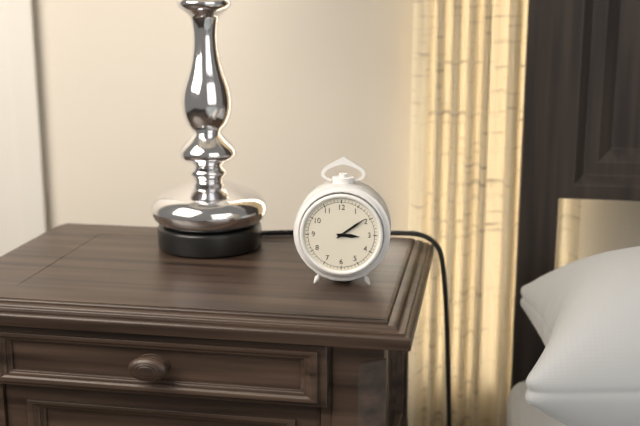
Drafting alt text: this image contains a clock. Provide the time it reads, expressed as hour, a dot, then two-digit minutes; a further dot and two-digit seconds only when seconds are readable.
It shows 3.09
